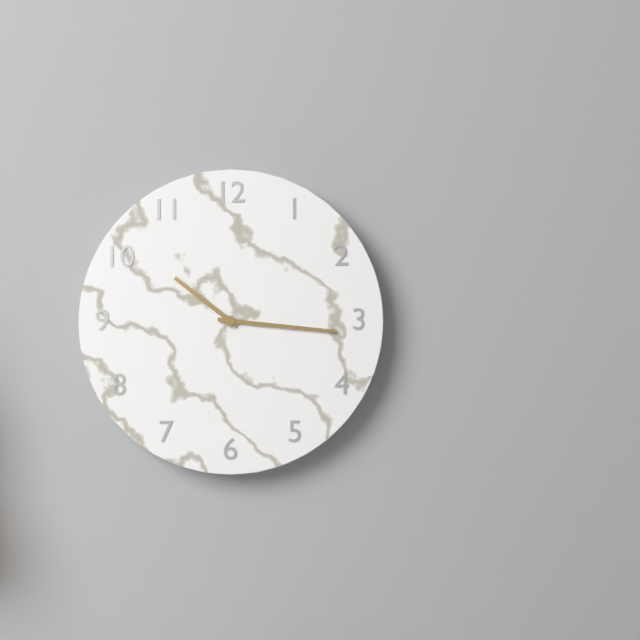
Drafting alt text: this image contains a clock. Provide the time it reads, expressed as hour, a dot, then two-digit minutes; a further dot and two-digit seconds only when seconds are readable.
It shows 10.16
